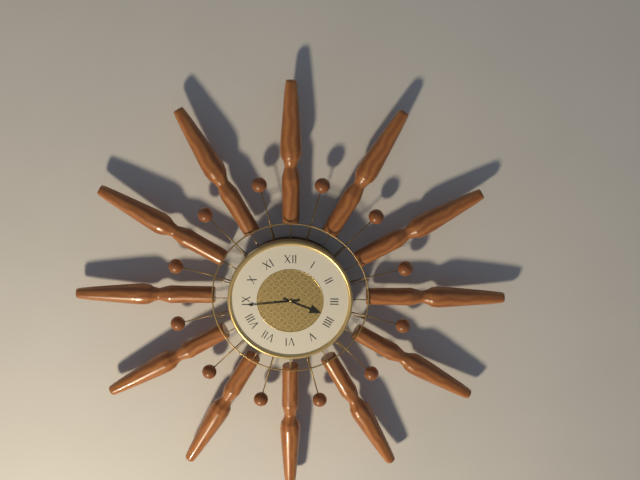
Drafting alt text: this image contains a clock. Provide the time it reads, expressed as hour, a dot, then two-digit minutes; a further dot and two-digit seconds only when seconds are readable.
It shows 3.44
